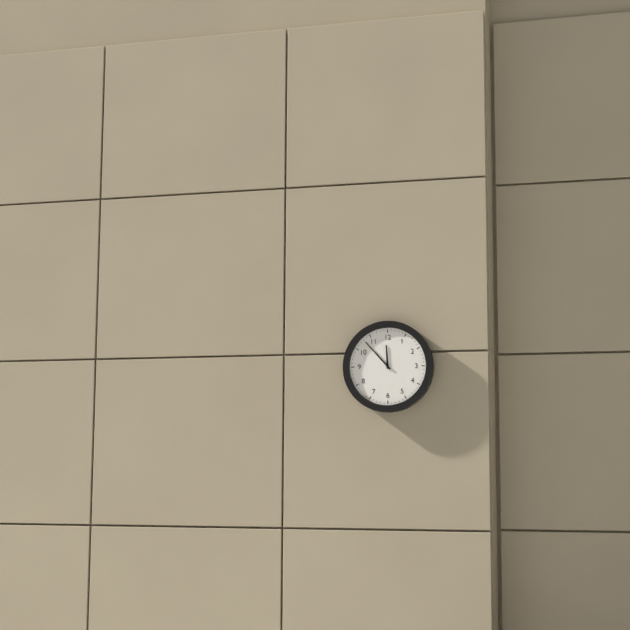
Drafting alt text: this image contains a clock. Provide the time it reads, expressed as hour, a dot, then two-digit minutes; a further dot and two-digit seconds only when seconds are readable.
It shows 11.53
